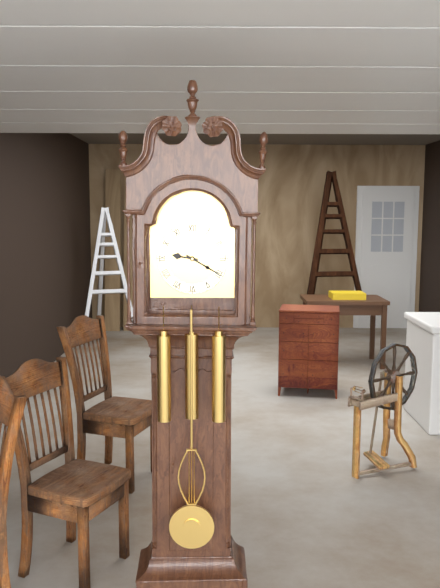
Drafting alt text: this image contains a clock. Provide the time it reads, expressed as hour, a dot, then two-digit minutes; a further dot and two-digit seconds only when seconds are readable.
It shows 9.20
